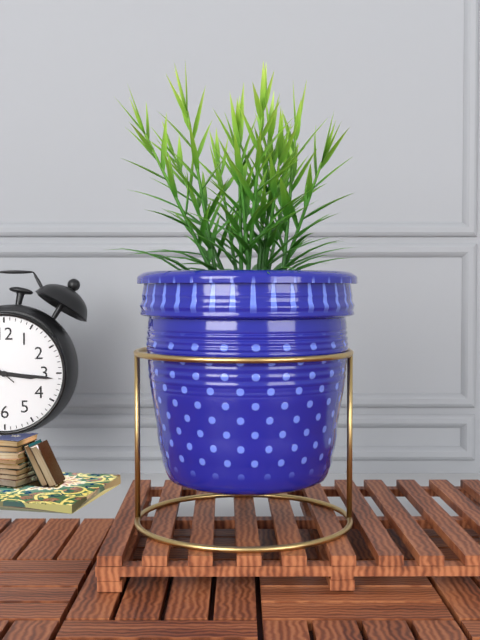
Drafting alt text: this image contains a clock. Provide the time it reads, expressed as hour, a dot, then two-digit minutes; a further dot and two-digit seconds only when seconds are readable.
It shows 3.16
